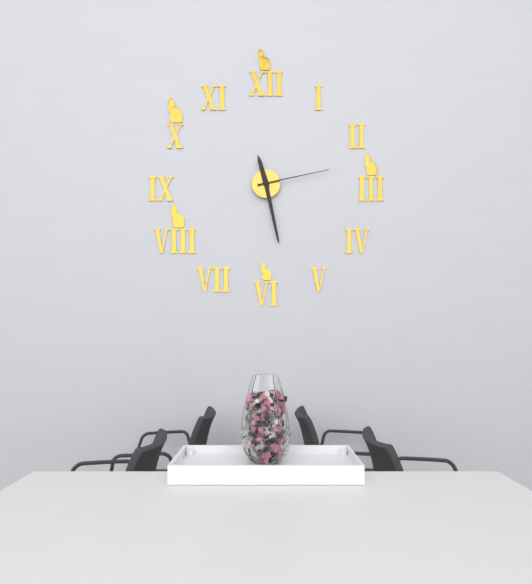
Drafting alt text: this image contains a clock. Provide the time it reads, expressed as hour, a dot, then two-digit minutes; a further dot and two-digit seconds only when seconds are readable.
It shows 11.28.13
